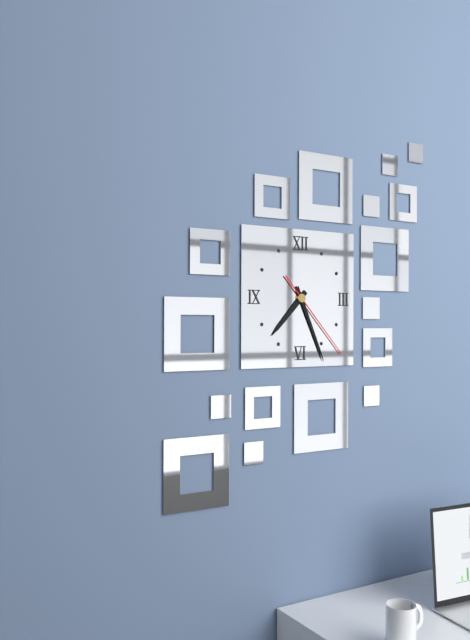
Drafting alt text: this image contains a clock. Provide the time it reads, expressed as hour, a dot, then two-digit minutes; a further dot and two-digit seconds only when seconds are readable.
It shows 7.26.23
